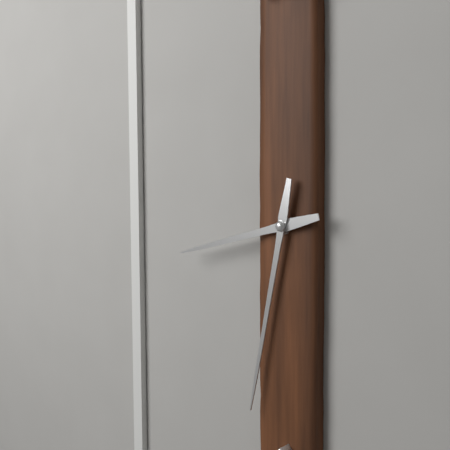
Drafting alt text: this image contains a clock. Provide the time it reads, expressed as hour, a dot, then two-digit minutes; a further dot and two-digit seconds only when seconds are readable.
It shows 8.32
